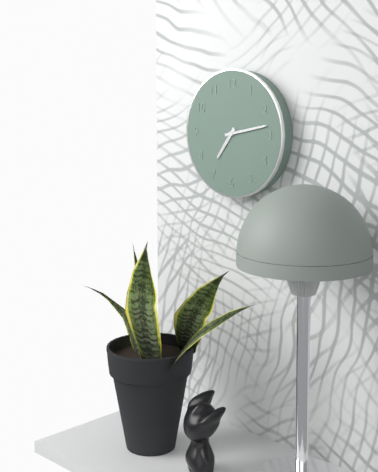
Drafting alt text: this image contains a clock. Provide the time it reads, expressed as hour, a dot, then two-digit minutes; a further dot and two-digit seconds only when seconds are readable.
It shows 7.13
